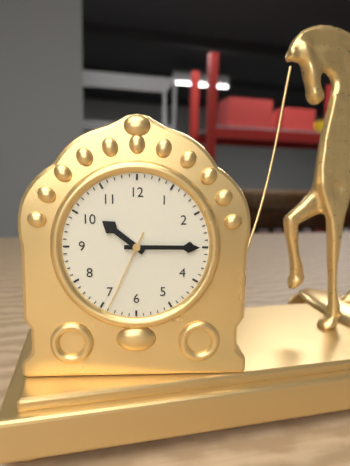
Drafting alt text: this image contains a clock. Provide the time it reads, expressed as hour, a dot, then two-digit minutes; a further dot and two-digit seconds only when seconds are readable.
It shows 10.15.34
